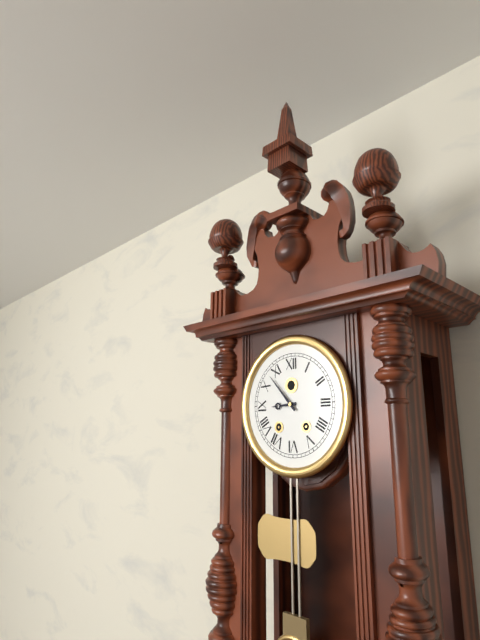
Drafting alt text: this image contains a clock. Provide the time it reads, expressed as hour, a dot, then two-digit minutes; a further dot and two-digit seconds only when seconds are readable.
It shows 8.53
